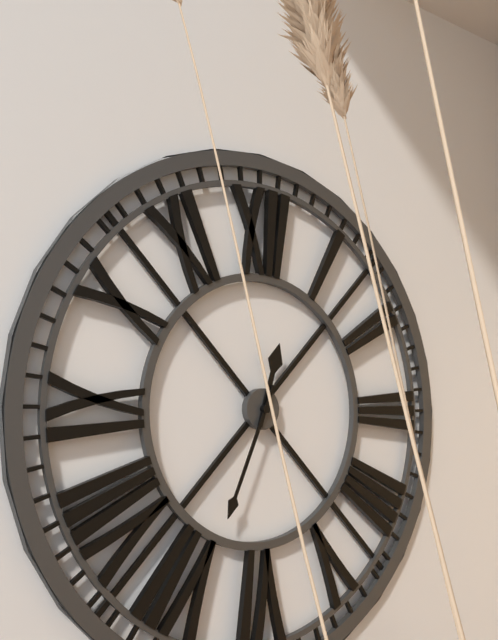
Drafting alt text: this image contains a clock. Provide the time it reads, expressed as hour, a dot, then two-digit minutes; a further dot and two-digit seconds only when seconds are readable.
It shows 12.34
